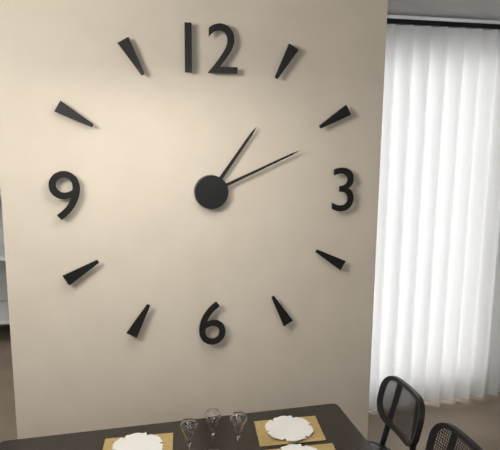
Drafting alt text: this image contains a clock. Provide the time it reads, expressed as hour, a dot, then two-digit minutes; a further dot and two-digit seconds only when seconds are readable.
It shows 1.11
